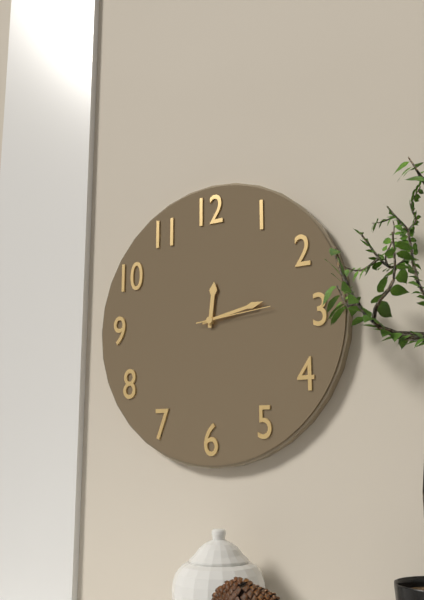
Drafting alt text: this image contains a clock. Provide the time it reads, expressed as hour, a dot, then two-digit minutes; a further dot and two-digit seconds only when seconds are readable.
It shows 12.13.14
